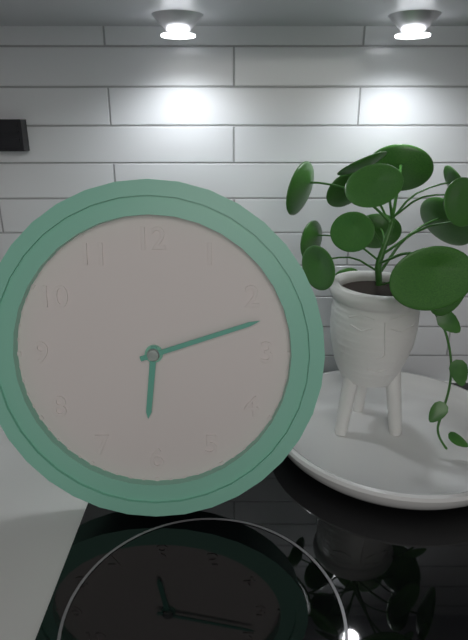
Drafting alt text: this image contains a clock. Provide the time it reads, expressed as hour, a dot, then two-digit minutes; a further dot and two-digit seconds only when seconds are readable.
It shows 6.12
